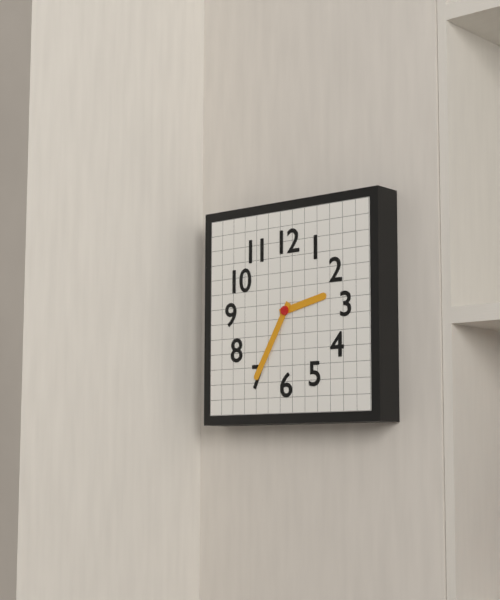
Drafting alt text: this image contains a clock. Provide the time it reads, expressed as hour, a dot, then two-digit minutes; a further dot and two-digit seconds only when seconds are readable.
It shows 2.35
